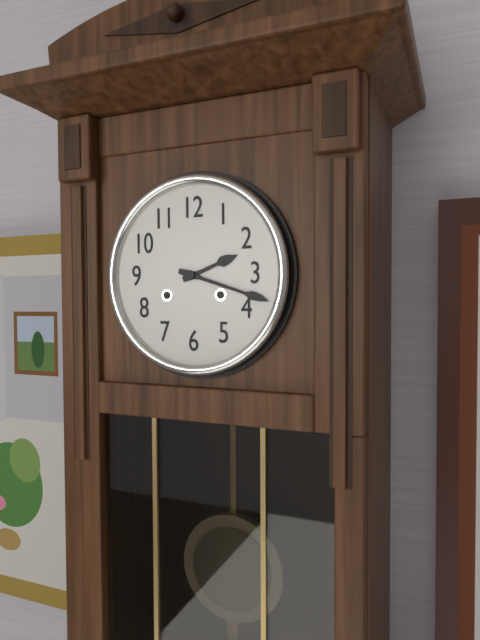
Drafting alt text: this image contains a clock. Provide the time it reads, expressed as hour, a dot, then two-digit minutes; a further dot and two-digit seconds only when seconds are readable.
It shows 2.18
